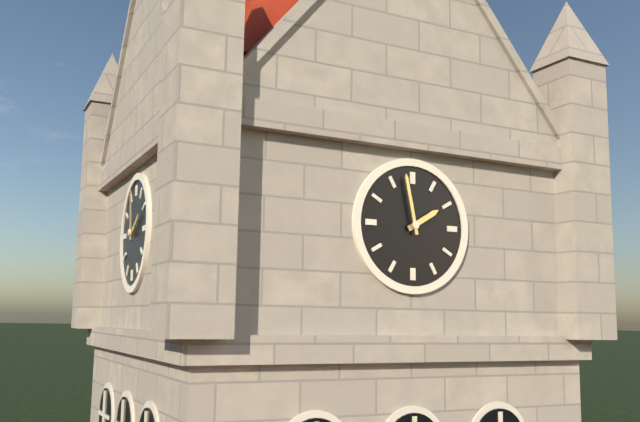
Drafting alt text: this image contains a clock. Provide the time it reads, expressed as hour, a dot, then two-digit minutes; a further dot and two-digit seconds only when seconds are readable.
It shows 1.58
